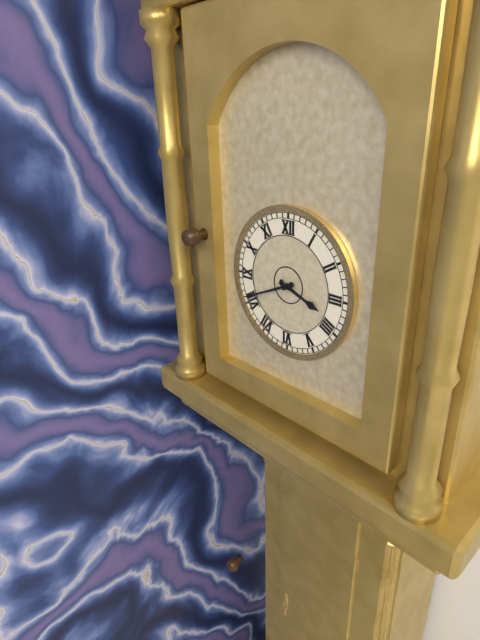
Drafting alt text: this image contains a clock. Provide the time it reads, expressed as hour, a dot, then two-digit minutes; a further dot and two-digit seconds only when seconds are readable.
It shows 3.41
